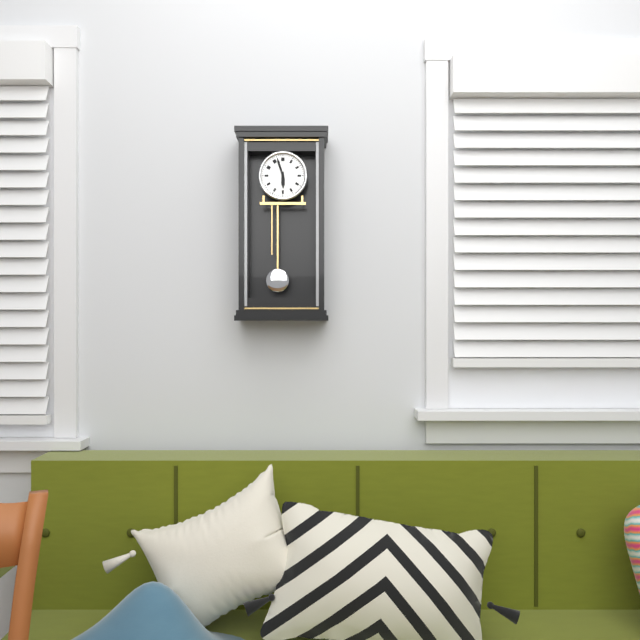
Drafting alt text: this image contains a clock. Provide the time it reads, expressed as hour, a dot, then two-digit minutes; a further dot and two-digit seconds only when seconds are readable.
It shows 5.57
